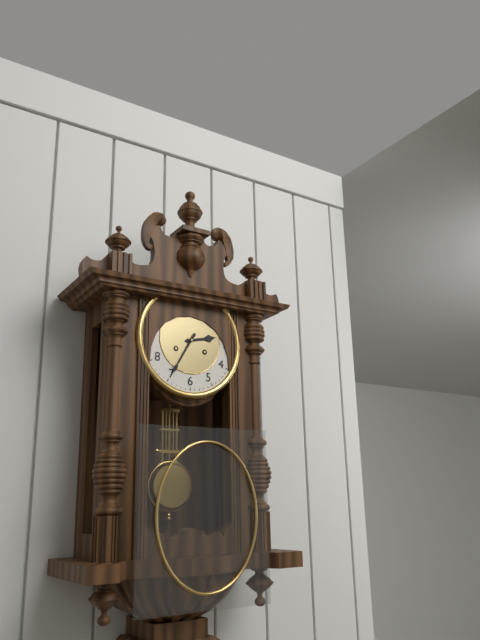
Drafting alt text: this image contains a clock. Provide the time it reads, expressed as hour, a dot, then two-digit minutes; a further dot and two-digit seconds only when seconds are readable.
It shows 2.35
